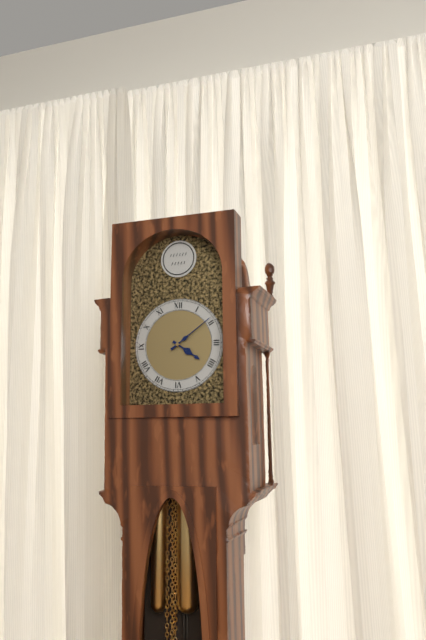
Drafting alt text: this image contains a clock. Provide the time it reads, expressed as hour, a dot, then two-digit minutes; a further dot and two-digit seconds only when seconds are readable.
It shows 4.09
